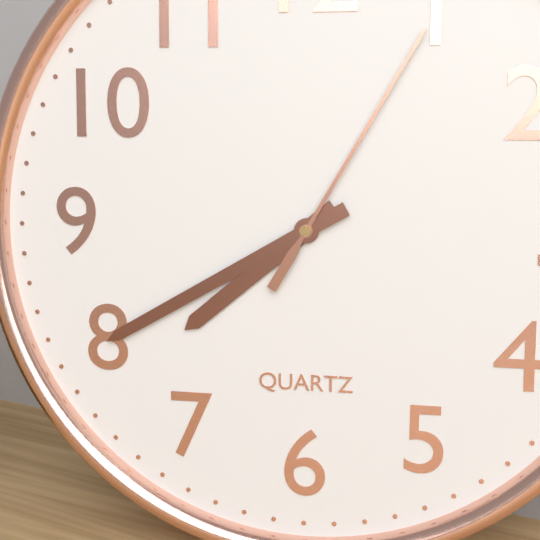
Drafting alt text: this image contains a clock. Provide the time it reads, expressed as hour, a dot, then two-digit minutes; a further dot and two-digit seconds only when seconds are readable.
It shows 7.40.05
